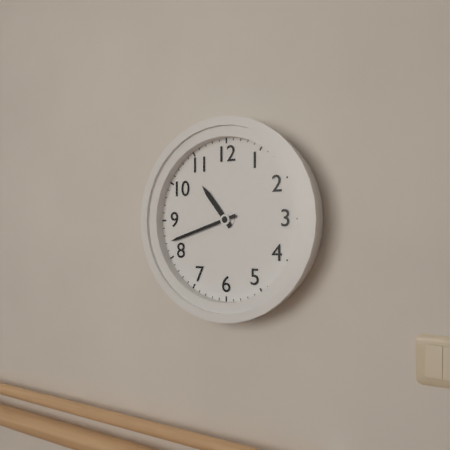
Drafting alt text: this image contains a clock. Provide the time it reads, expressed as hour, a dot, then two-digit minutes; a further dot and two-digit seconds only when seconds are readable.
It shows 10.42
